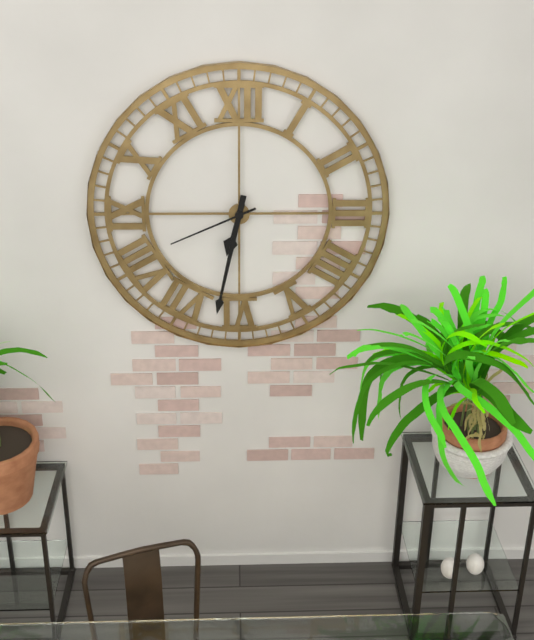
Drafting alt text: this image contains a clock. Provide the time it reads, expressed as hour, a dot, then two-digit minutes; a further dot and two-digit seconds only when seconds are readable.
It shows 6.32.41
